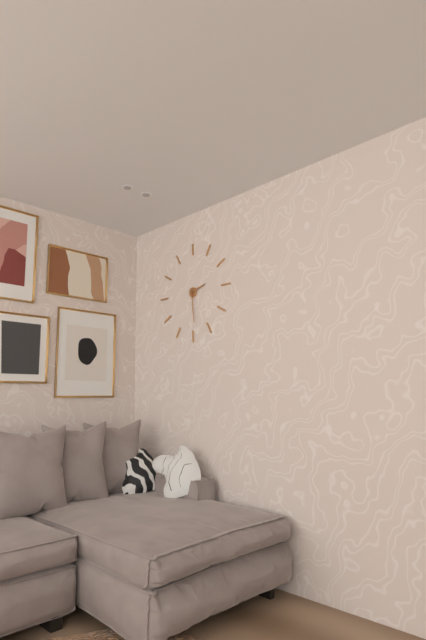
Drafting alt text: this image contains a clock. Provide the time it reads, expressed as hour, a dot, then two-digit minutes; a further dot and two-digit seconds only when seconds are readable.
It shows 2.29
